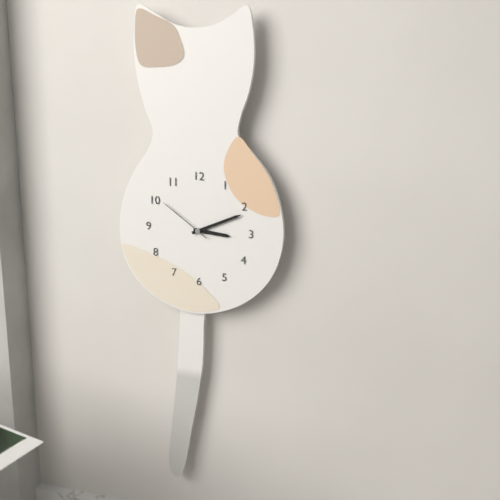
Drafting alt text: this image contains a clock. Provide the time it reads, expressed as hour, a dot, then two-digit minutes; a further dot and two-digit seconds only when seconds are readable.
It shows 3.11.51
